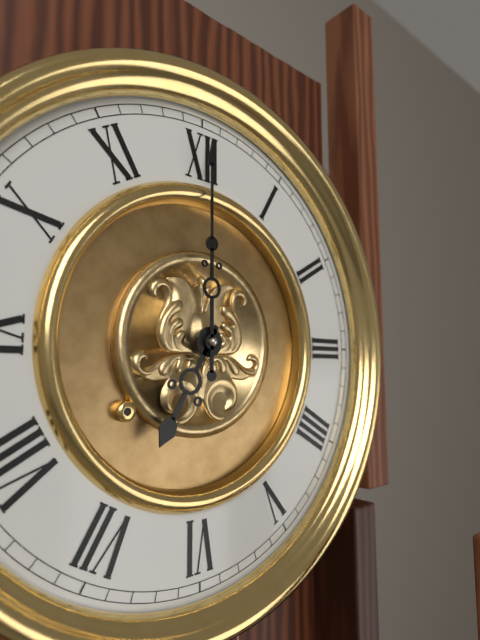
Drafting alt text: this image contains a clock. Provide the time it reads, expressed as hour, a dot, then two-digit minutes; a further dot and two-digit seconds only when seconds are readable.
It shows 7.00
